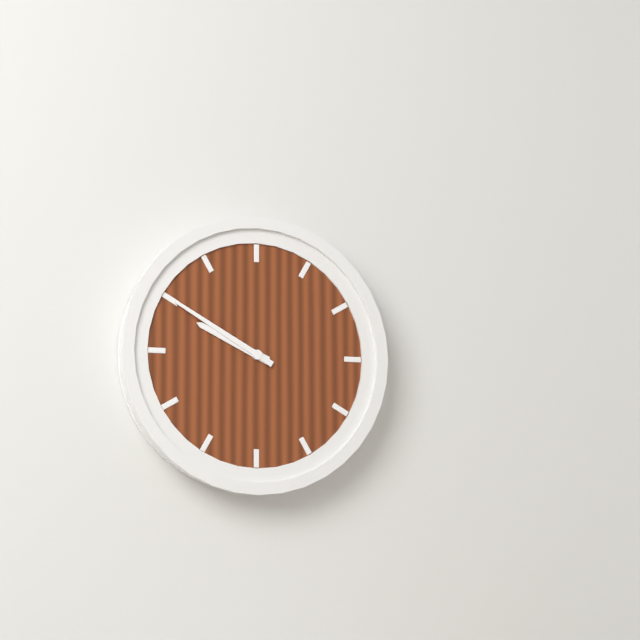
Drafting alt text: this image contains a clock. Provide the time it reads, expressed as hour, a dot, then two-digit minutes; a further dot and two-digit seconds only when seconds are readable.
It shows 9.50
